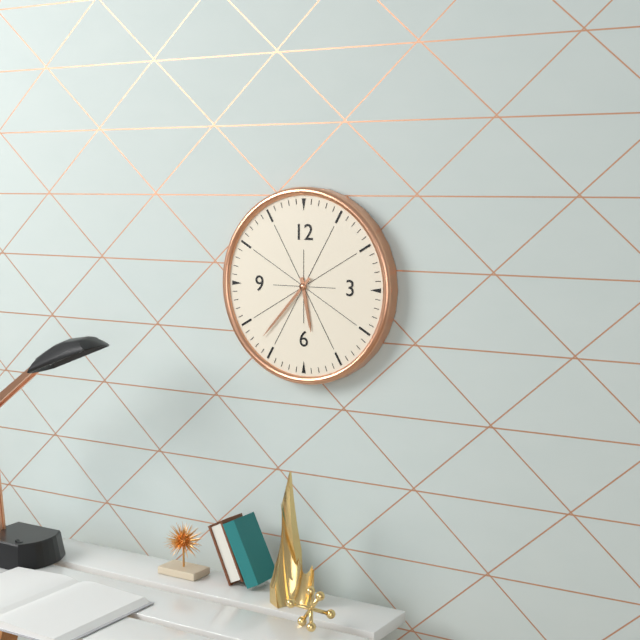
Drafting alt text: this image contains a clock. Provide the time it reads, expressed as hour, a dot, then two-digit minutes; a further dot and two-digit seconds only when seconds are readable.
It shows 5.37
